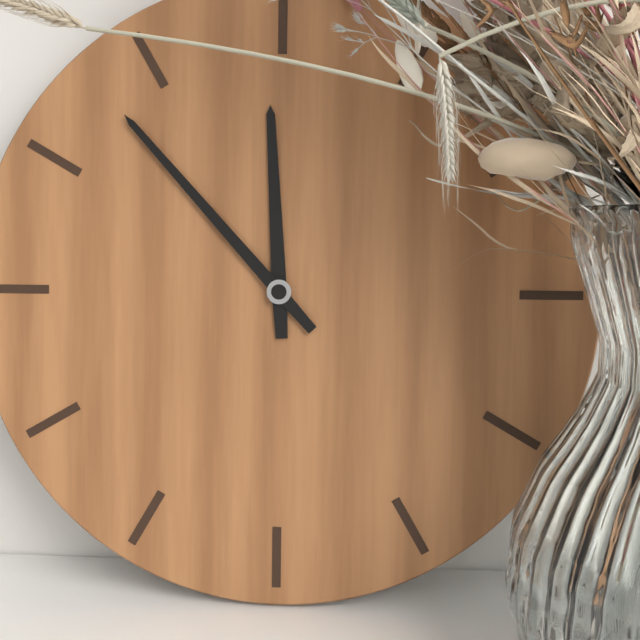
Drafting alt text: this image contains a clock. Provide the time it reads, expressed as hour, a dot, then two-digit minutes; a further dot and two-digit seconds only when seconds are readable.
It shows 11.53
